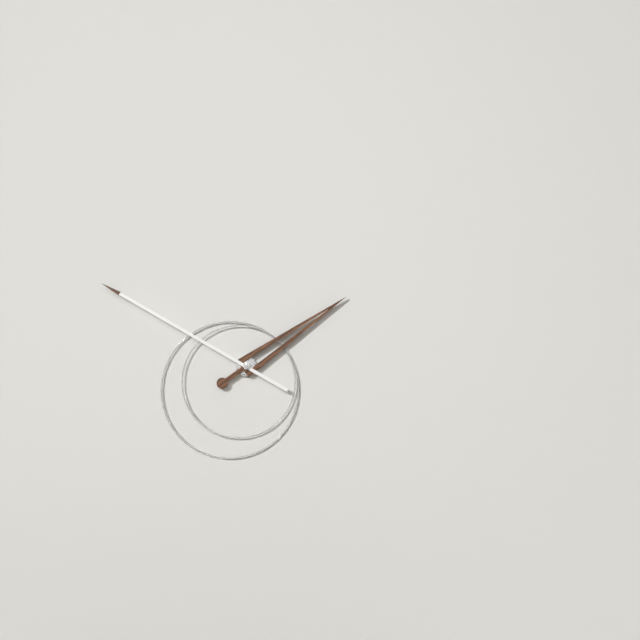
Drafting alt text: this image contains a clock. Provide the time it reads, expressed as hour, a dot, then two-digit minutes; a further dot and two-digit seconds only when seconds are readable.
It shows 1.50
